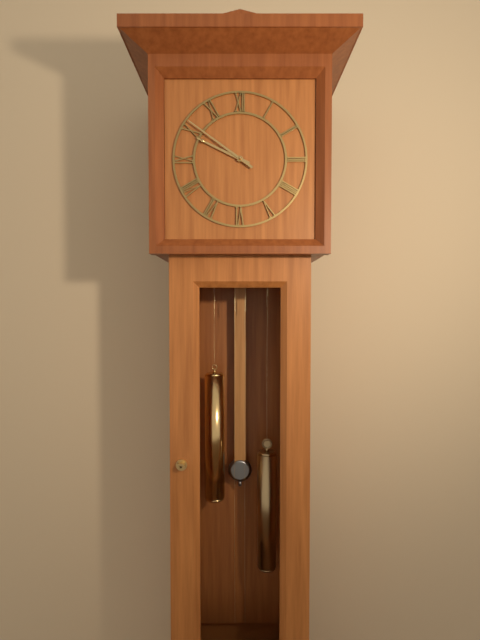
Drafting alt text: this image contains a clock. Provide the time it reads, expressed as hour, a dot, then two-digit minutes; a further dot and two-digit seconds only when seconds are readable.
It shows 9.51
